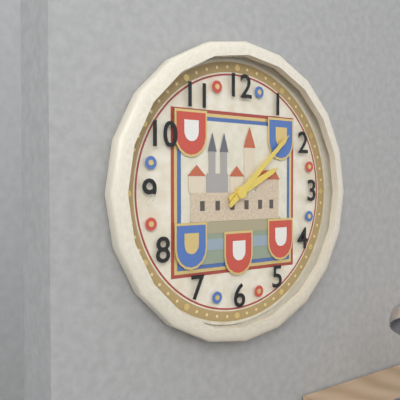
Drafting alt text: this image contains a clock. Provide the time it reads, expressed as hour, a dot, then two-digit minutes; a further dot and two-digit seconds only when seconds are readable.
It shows 2.08
